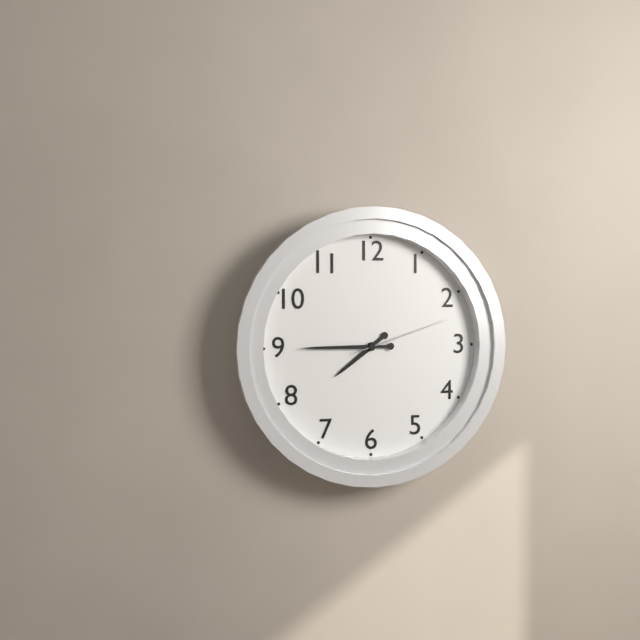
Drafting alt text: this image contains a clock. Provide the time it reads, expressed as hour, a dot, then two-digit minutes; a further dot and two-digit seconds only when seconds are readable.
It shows 7.45.12
